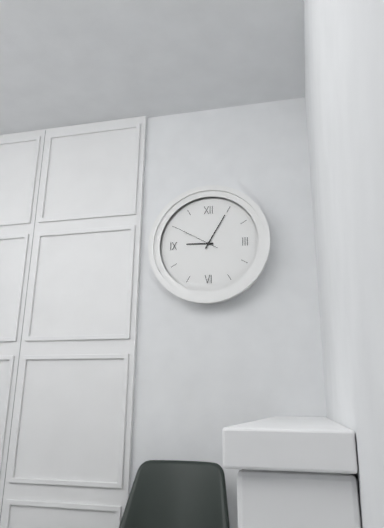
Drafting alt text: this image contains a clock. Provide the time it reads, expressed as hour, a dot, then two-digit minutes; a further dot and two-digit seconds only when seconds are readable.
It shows 9.05
